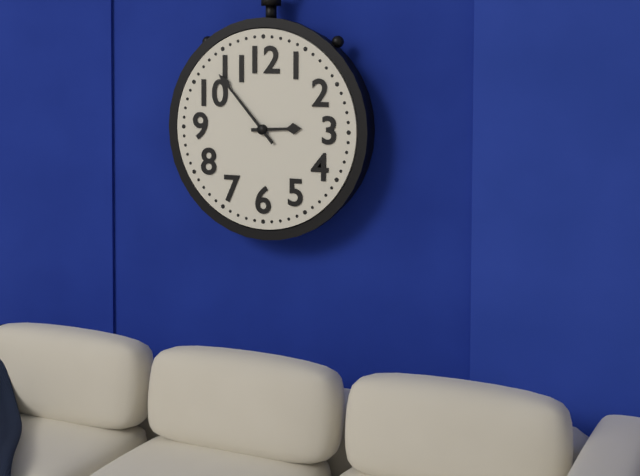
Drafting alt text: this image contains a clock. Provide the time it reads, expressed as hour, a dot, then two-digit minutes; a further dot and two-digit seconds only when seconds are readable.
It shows 2.53
